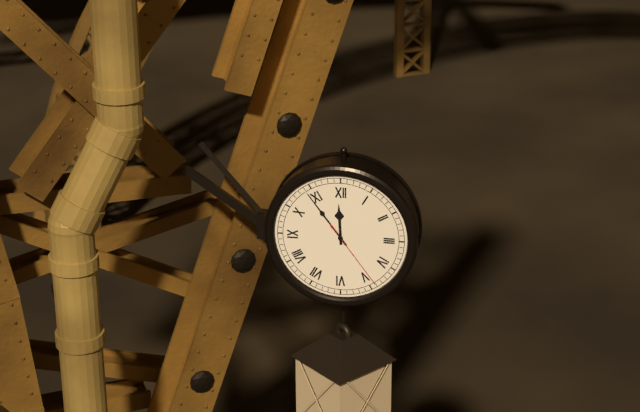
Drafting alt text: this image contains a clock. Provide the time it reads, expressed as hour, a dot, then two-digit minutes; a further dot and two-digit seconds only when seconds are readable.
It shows 11.54.24
